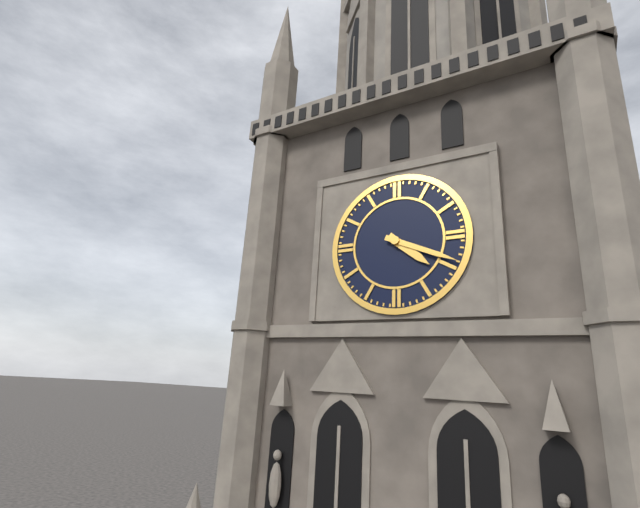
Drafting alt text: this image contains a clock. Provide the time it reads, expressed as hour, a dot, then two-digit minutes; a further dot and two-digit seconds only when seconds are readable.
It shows 4.19
